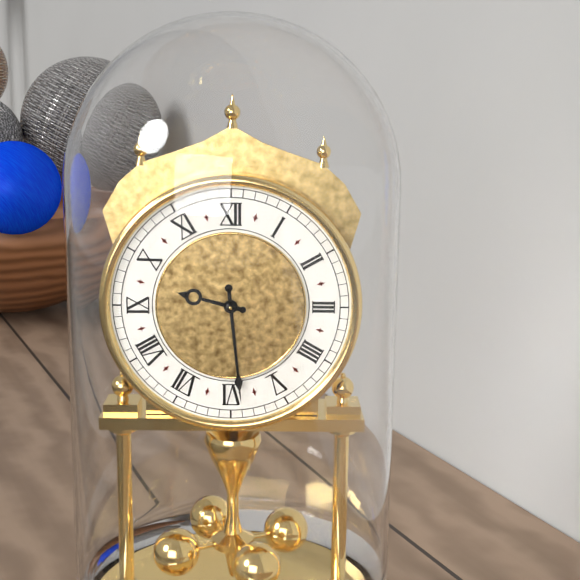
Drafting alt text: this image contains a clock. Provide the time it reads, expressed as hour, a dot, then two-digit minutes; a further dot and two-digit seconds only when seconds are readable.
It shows 9.29
